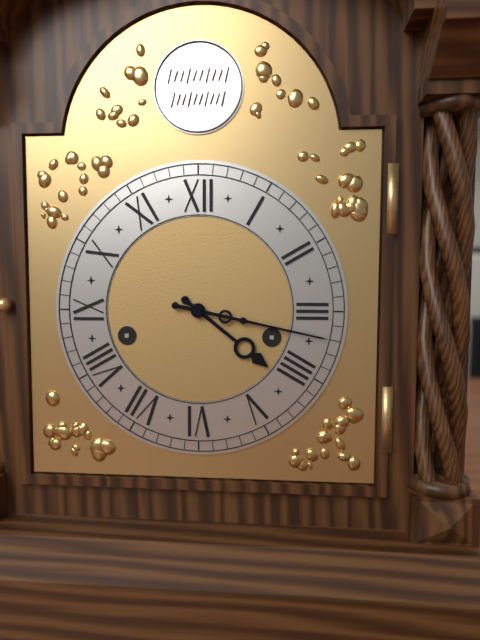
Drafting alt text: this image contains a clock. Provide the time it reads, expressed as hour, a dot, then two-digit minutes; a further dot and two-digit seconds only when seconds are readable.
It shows 4.17
